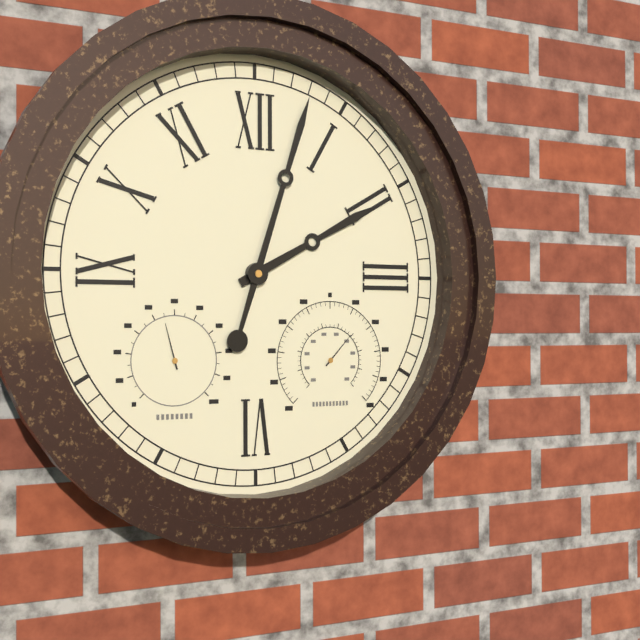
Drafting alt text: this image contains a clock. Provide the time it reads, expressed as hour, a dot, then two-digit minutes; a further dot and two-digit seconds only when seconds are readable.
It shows 2.03
